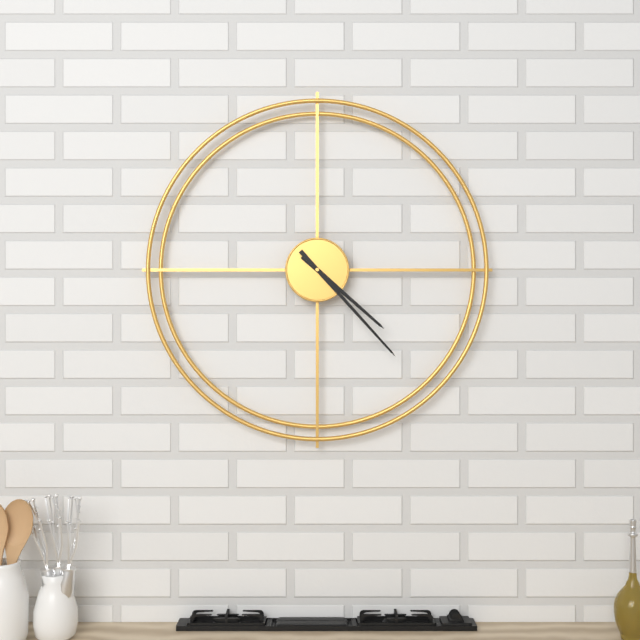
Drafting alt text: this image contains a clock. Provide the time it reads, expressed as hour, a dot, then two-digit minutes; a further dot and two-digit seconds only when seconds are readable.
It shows 4.23
